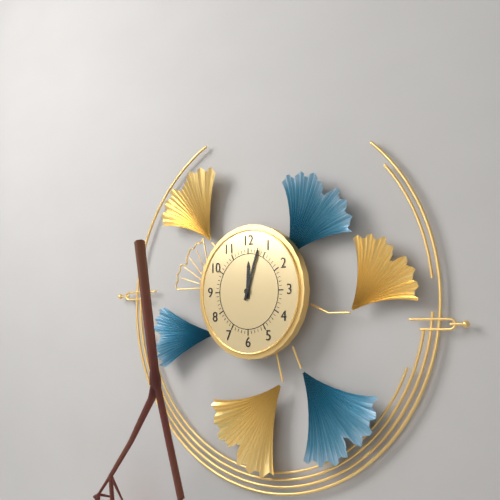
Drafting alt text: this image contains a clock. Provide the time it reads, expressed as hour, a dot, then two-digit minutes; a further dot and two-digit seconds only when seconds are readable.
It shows 12.03
